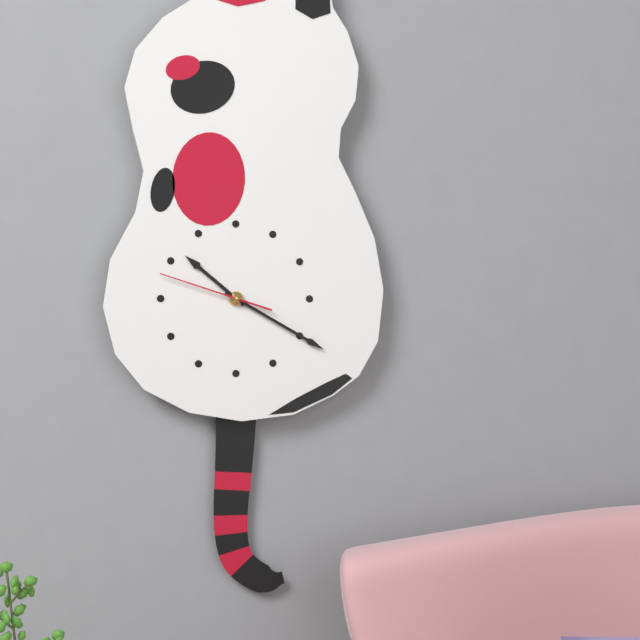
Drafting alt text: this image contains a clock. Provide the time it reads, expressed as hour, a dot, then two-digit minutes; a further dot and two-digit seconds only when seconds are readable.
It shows 10.20.48
